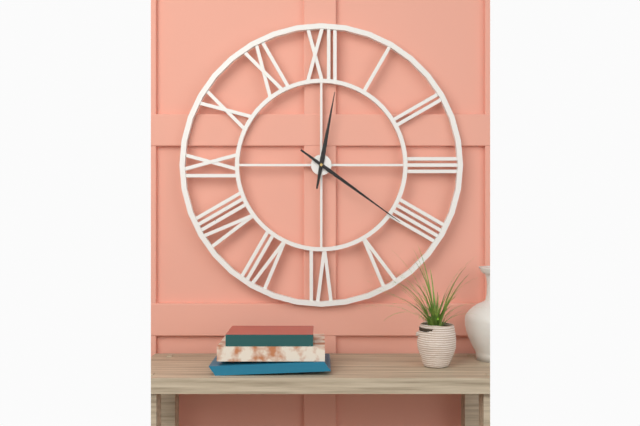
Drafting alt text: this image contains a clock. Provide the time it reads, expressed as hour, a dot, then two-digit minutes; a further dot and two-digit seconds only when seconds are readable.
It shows 12.21
